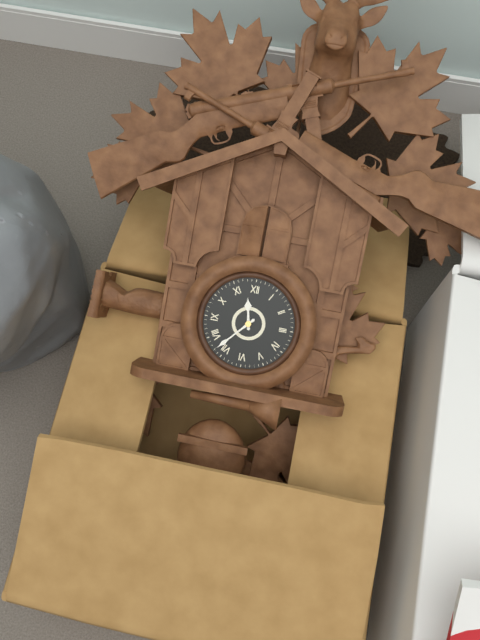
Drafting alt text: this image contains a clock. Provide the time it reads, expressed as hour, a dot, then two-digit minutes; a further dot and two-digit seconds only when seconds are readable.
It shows 11.37
